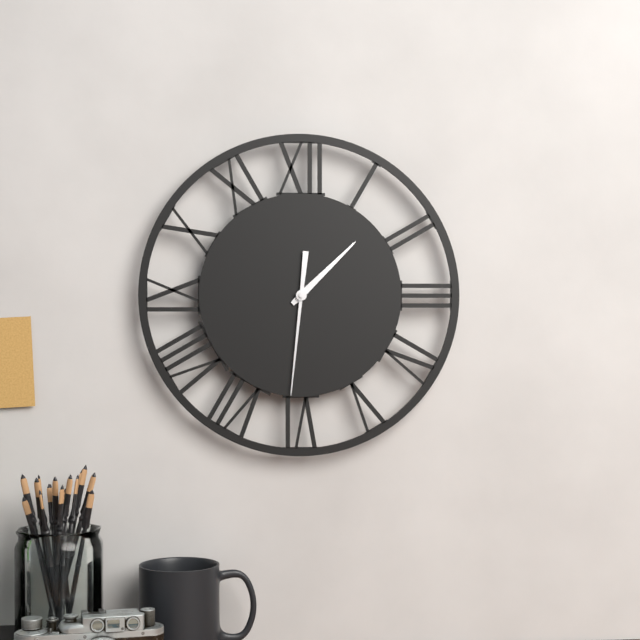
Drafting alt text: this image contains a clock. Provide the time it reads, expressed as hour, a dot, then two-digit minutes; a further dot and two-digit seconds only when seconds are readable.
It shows 1.31
